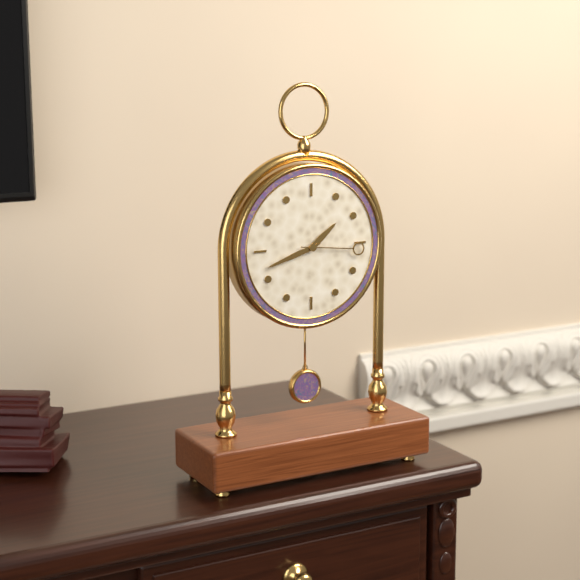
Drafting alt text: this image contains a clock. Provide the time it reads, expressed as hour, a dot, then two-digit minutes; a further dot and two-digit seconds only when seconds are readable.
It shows 1.42.16
